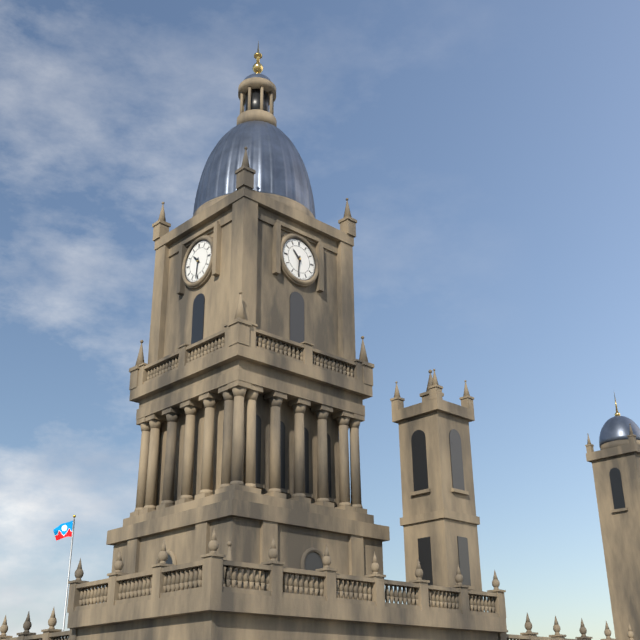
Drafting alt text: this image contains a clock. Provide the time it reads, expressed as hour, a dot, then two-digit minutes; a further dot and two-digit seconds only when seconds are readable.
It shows 10.31
